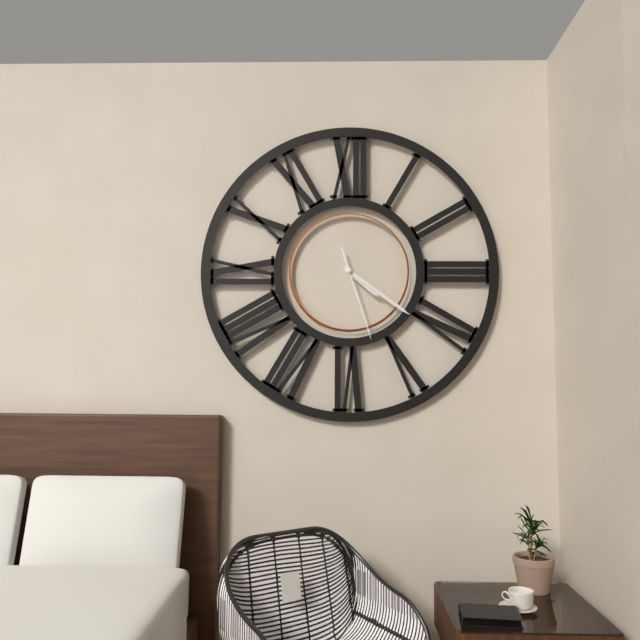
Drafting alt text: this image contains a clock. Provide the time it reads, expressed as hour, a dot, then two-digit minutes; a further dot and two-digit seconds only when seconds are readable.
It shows 4.21.27
